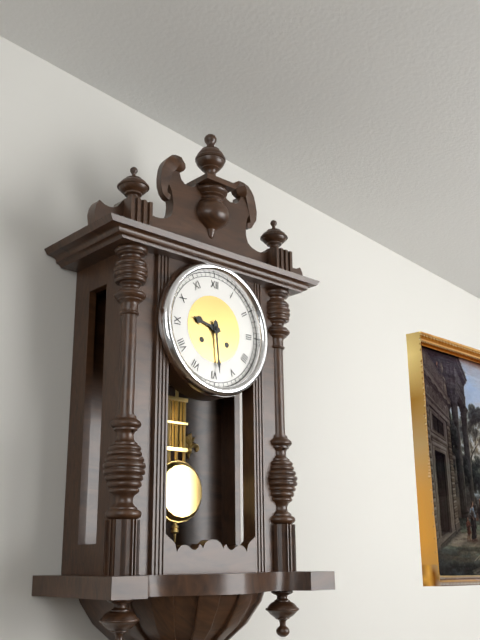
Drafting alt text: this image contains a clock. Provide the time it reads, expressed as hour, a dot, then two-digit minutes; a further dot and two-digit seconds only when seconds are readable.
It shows 9.29
